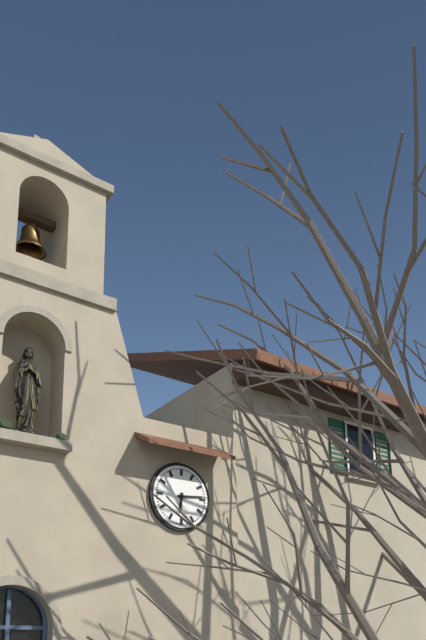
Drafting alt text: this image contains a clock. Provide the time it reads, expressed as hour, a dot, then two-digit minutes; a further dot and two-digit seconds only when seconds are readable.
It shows 6.14
